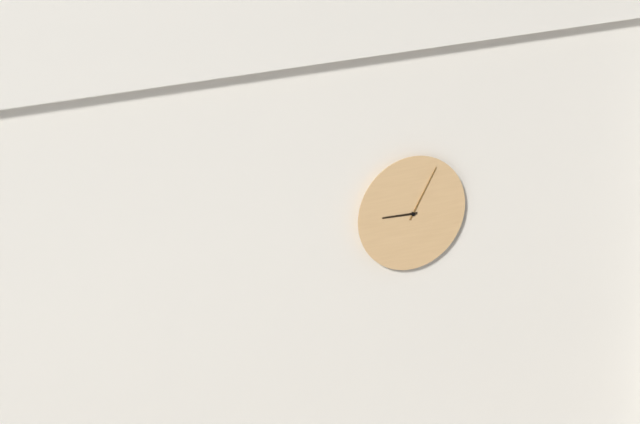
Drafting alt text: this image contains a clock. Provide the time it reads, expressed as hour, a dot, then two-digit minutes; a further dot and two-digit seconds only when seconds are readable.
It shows 9.05
